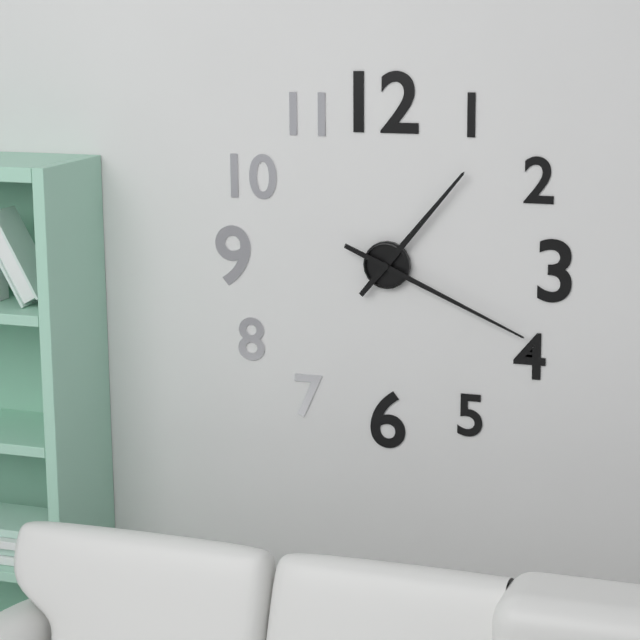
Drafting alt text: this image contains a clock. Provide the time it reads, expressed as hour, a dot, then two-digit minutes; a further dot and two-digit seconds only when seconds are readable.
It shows 1.19
